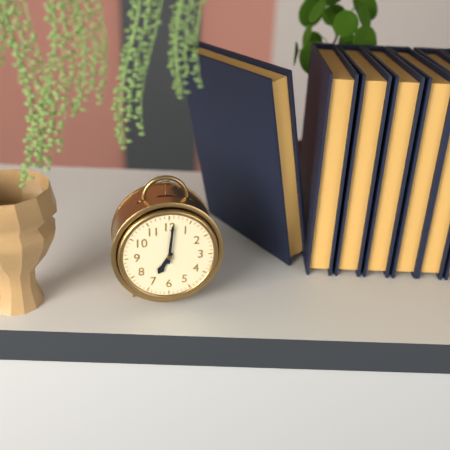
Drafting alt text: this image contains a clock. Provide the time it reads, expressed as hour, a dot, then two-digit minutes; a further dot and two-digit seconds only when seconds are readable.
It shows 7.01
